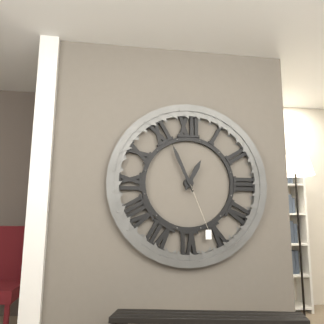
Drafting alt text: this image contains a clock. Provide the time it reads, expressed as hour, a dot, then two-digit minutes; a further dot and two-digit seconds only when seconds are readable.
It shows 12.56
